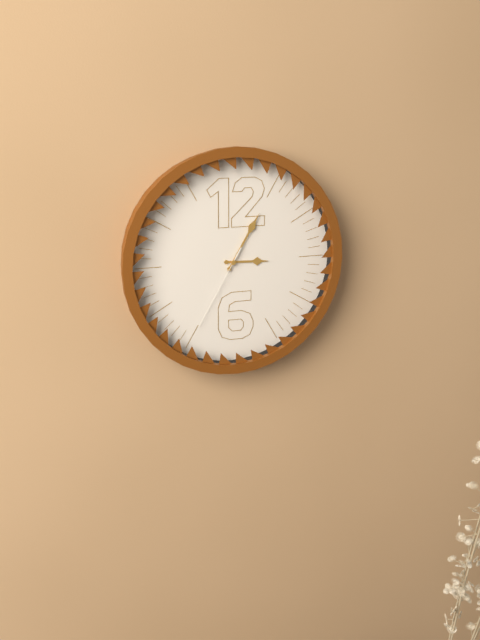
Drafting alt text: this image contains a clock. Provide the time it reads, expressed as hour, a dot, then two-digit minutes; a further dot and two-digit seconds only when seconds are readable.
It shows 3.05.35
